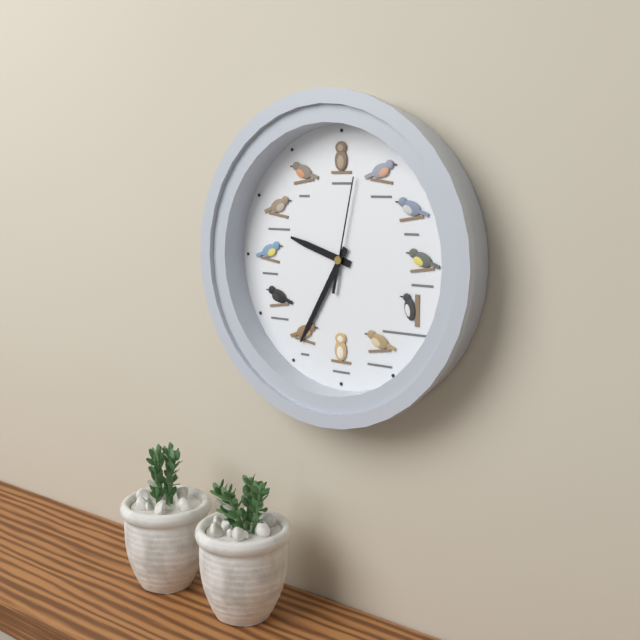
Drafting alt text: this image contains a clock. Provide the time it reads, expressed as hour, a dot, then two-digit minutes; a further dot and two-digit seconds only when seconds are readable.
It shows 9.35.02
